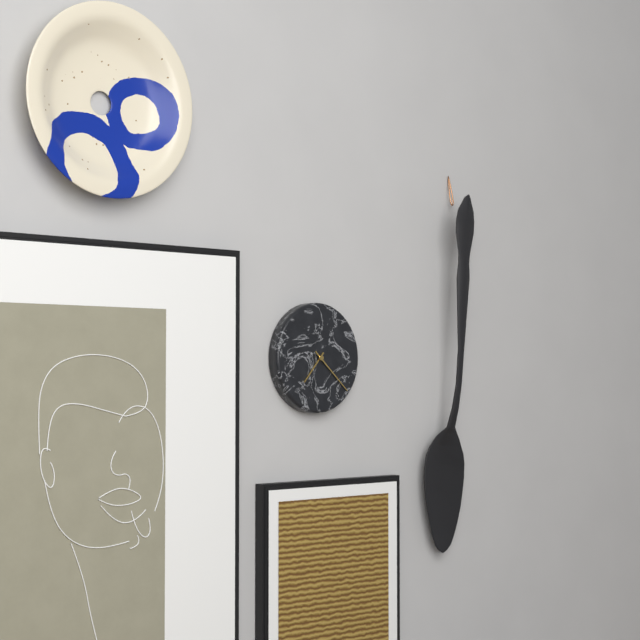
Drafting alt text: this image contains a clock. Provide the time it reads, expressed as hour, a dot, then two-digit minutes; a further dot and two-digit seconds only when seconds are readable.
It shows 7.22
